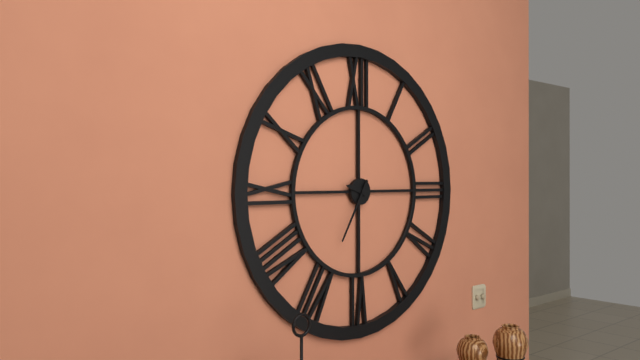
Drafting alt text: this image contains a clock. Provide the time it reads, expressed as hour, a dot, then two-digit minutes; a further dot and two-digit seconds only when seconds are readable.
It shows 9.35
